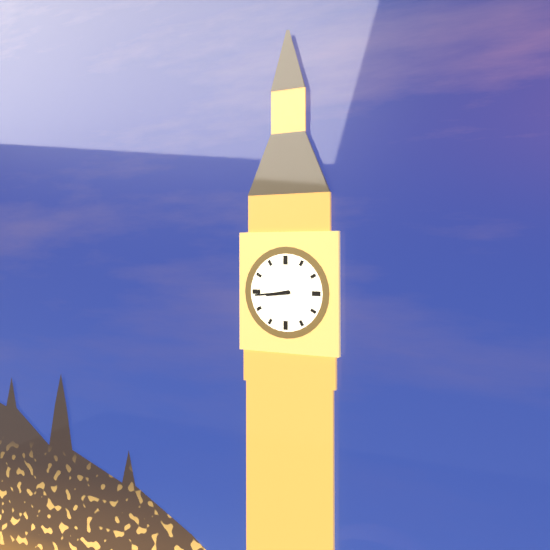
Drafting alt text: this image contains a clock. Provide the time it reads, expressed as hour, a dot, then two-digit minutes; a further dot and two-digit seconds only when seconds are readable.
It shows 8.44
